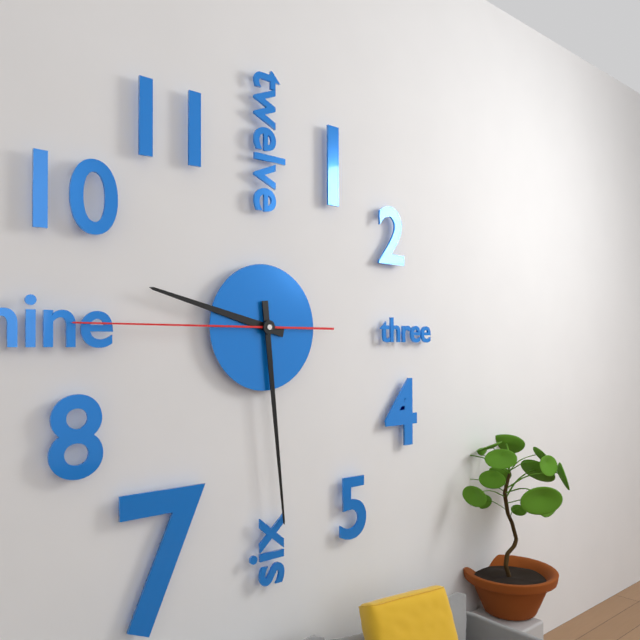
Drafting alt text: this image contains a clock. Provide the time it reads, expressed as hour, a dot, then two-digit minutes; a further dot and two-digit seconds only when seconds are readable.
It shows 9.29.45
